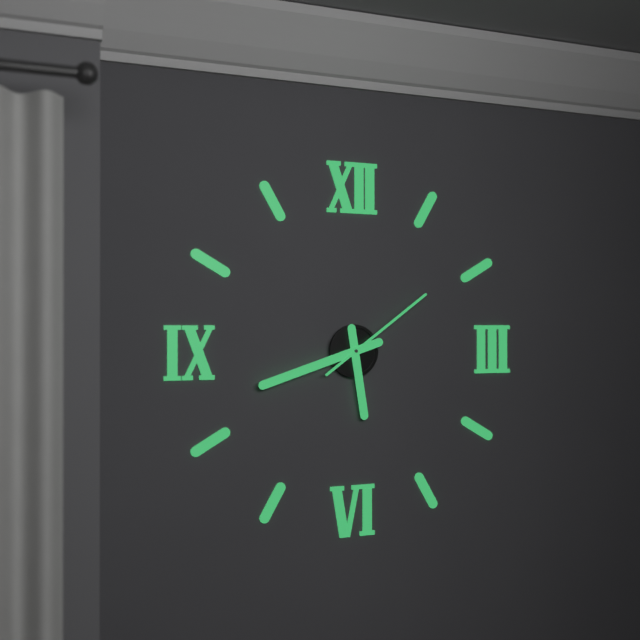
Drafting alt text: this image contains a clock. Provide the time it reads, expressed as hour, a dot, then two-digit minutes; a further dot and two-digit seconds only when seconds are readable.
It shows 5.42.09
